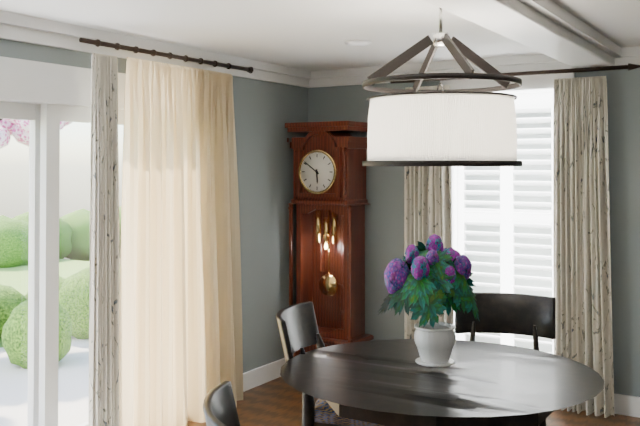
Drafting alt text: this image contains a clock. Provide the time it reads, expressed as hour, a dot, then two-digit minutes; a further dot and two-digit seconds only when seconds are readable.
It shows 5.51
